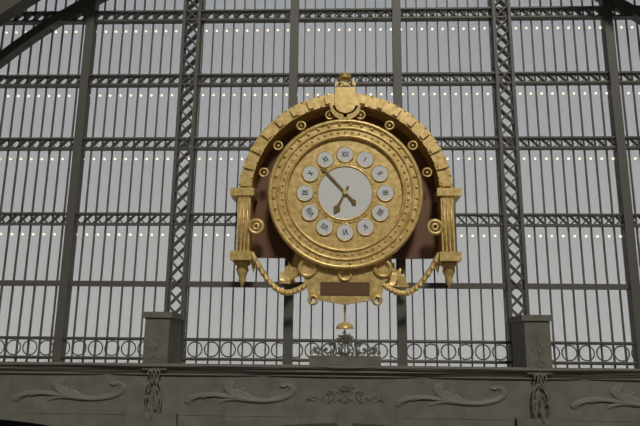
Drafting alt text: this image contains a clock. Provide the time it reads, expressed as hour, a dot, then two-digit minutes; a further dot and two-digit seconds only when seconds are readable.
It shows 6.53
